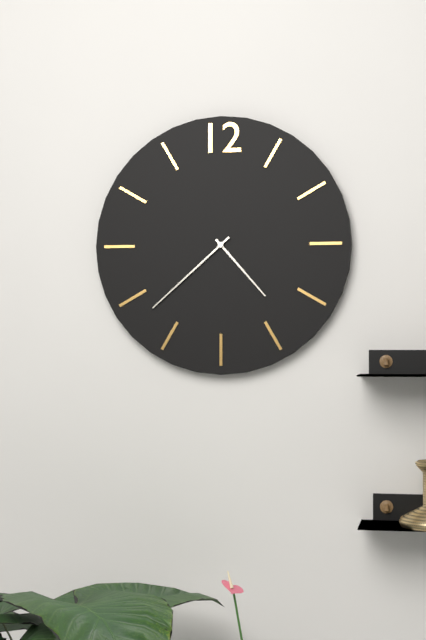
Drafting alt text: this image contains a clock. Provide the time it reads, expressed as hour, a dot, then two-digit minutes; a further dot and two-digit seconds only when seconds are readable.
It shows 4.38
